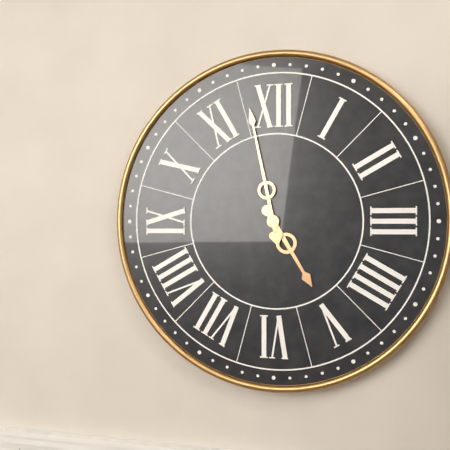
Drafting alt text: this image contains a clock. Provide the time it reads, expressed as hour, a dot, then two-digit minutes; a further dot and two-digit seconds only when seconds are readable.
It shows 4.58
